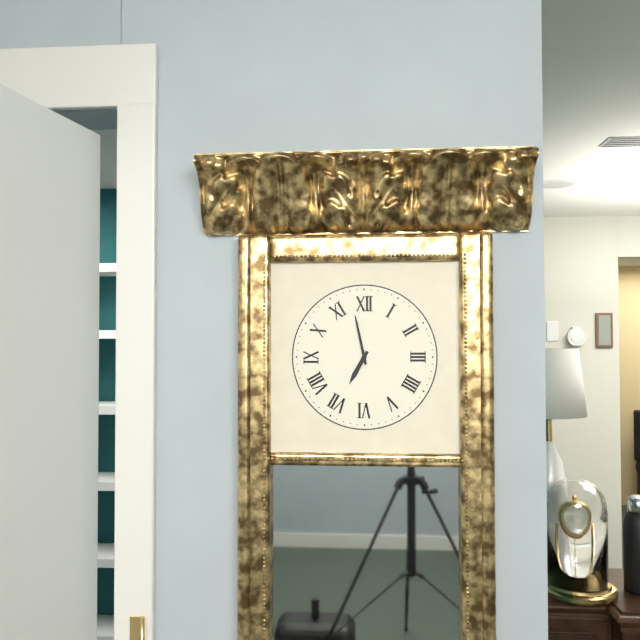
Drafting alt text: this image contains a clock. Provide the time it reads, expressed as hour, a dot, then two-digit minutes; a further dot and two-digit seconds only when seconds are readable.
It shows 6.58
